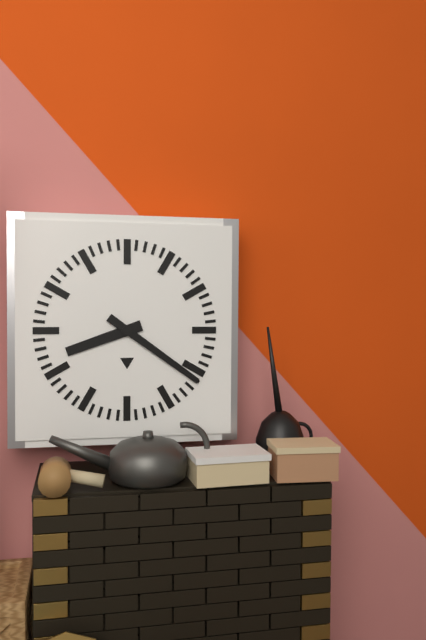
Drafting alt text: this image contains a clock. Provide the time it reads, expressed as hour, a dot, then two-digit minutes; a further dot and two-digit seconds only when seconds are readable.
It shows 8.21
